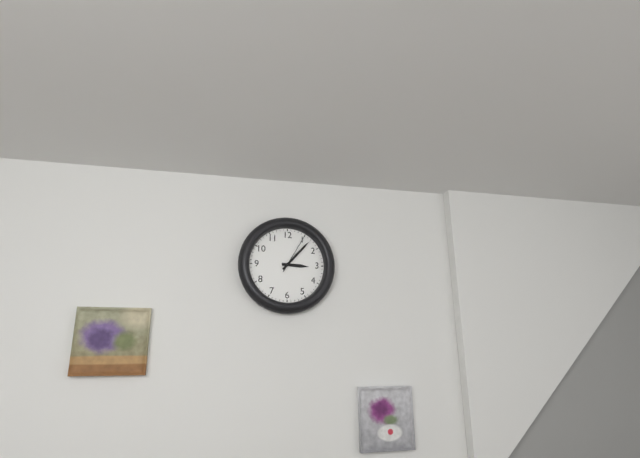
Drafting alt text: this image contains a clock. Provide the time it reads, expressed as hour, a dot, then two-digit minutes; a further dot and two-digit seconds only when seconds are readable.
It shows 3.07
